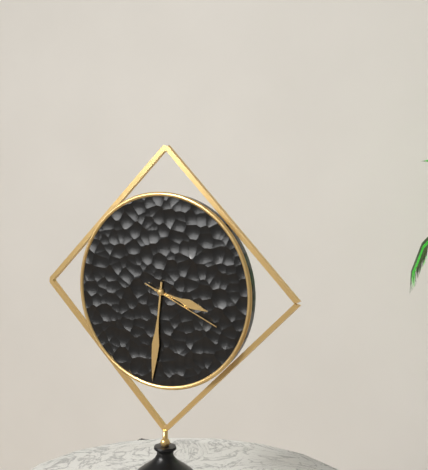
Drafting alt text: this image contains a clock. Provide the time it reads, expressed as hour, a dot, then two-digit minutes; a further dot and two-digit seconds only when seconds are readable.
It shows 3.31.19
